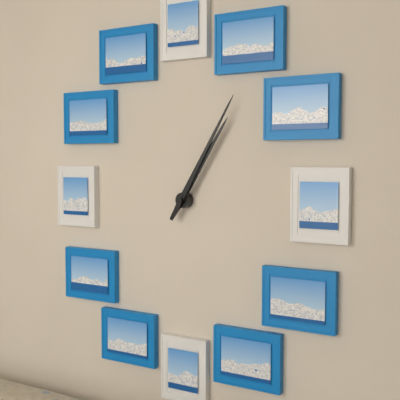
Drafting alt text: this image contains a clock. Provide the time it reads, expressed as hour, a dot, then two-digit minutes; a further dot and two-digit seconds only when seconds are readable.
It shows 1.05
